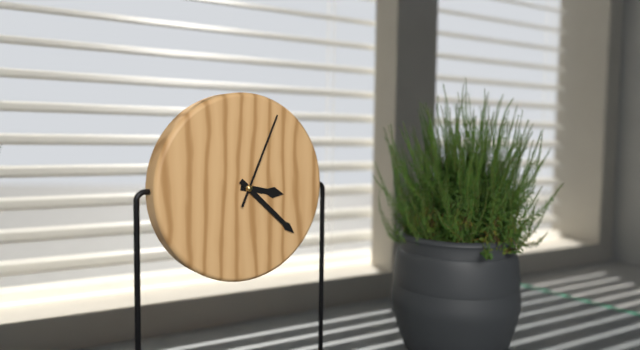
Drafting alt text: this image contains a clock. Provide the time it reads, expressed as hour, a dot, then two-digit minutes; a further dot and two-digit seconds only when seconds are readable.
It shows 3.22.04
